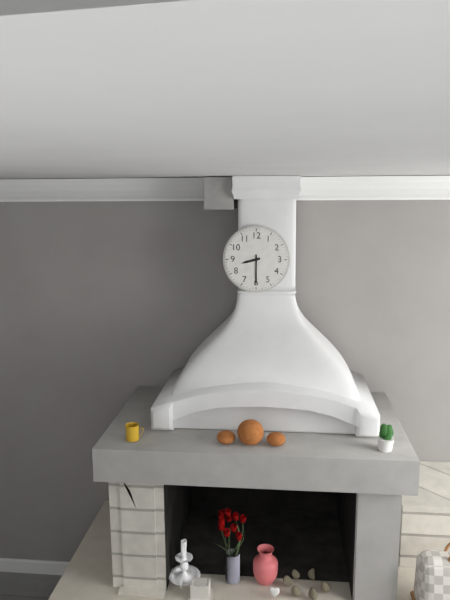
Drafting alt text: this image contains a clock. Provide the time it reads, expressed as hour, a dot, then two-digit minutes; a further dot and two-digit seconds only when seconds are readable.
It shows 8.30
